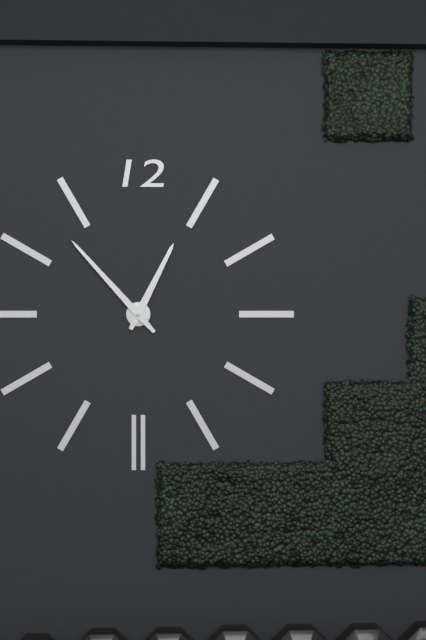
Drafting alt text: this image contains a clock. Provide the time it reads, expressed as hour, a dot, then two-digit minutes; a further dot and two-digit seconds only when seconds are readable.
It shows 12.53
